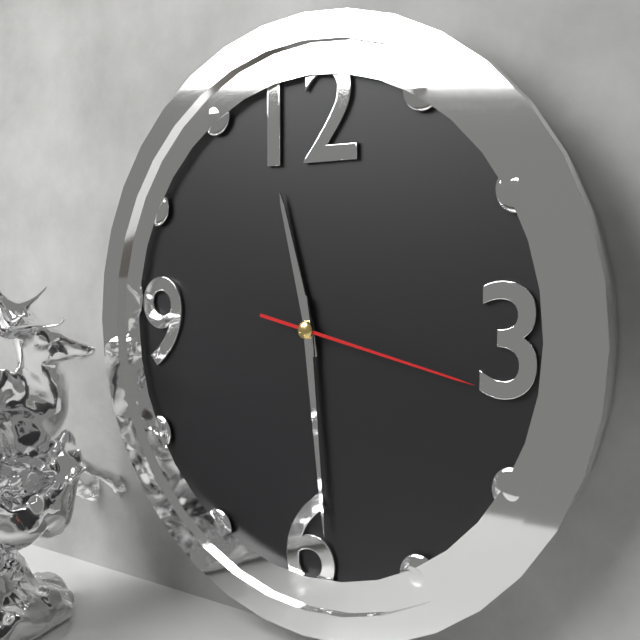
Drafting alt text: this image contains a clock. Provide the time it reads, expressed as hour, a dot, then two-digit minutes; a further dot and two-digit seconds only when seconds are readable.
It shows 11.29.17
